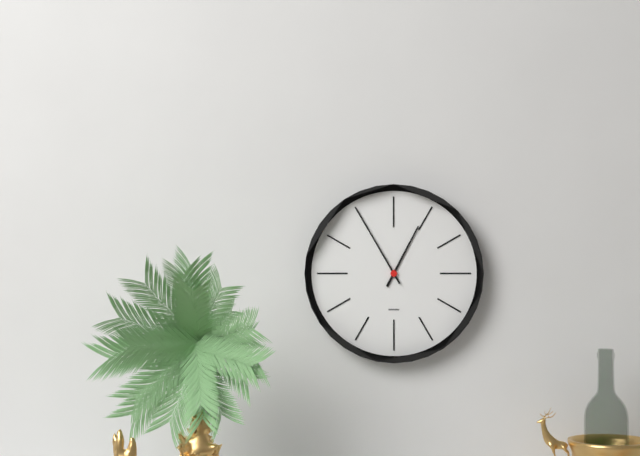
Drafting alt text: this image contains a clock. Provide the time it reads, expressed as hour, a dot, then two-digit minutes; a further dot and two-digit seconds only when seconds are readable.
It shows 12.55
